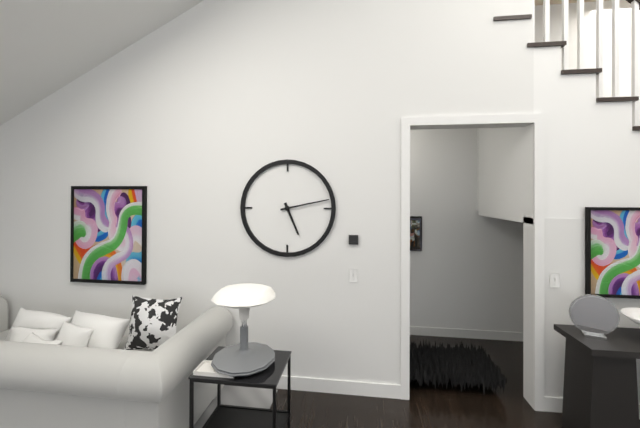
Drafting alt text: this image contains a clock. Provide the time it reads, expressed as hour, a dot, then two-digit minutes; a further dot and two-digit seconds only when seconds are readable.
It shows 5.13
